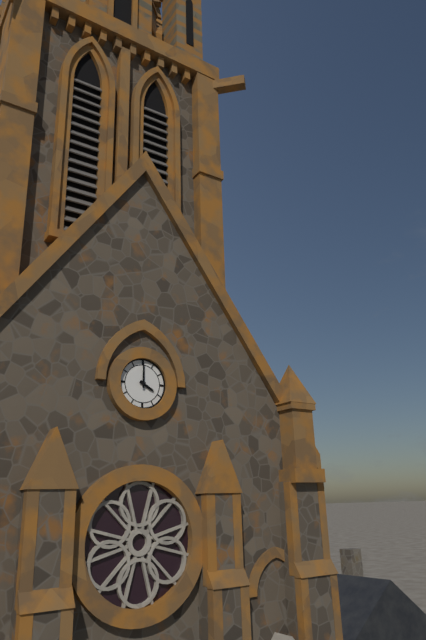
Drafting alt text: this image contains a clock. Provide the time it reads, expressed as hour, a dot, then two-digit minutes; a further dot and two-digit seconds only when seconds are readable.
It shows 4.00
